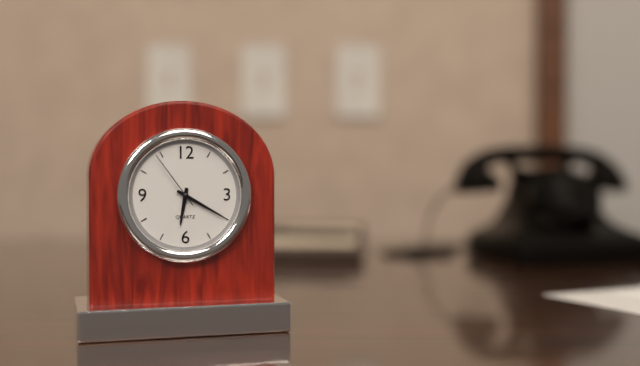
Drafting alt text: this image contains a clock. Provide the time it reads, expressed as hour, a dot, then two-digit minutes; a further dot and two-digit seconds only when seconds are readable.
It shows 6.20.54
